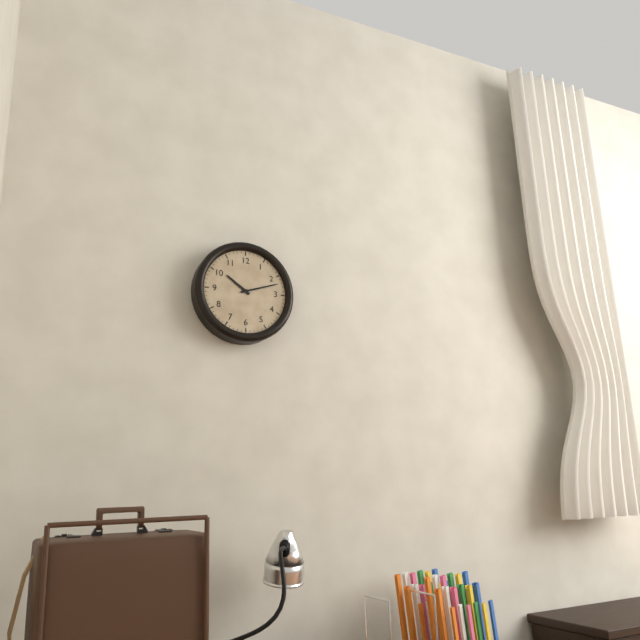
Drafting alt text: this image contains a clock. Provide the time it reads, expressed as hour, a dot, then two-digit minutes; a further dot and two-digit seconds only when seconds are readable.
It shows 10.12
